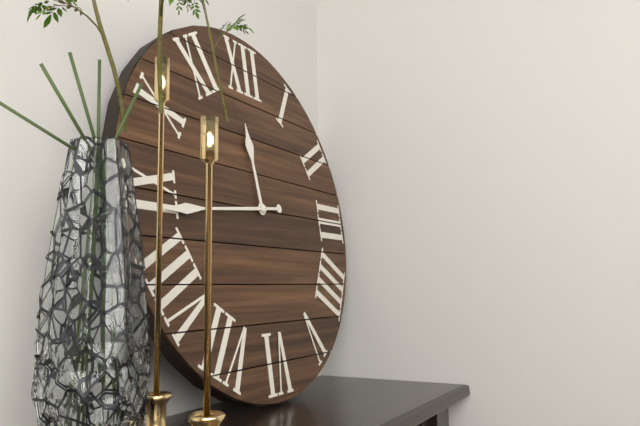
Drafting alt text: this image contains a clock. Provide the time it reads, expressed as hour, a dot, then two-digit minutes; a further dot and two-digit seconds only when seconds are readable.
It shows 11.44
